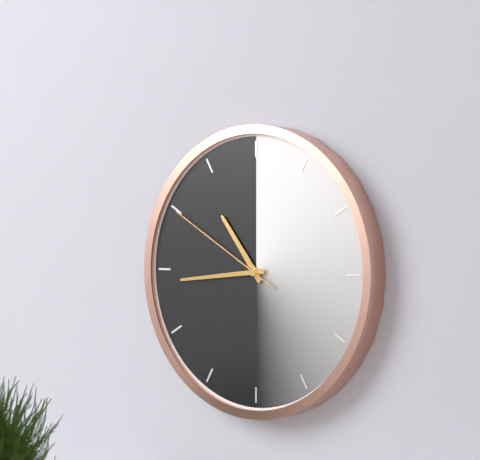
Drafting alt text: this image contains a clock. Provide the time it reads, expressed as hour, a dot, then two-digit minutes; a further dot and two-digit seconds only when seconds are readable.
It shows 10.44.50
